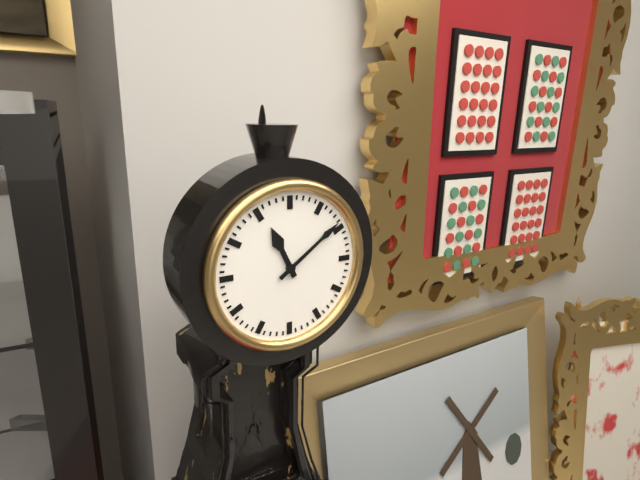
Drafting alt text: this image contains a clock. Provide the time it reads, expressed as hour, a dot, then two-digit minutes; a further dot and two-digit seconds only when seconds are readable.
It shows 11.09
